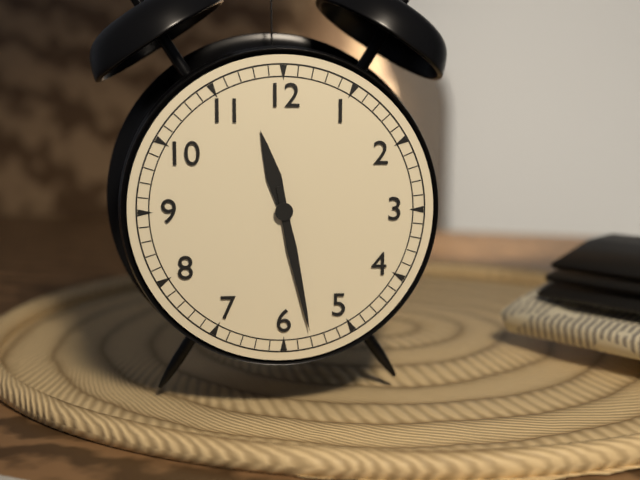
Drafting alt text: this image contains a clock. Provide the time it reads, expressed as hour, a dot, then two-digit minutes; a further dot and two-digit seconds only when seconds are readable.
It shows 11.28
